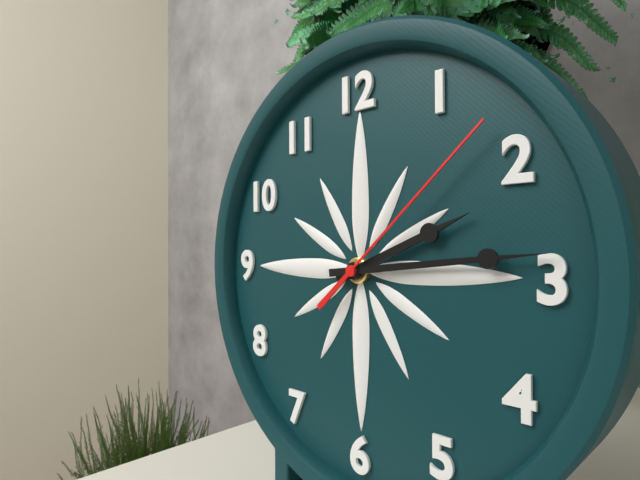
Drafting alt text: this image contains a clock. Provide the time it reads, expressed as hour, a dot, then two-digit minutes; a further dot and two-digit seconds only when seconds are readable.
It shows 2.14.08
